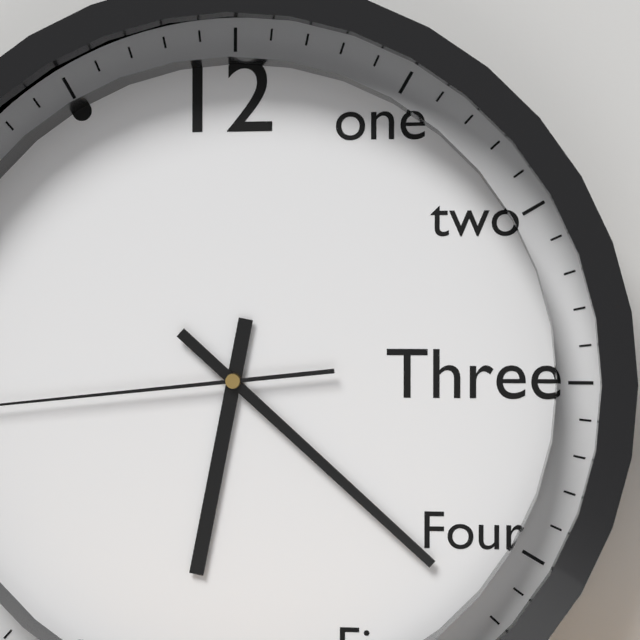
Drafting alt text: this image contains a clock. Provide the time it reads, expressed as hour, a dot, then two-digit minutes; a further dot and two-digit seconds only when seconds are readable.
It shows 6.22
